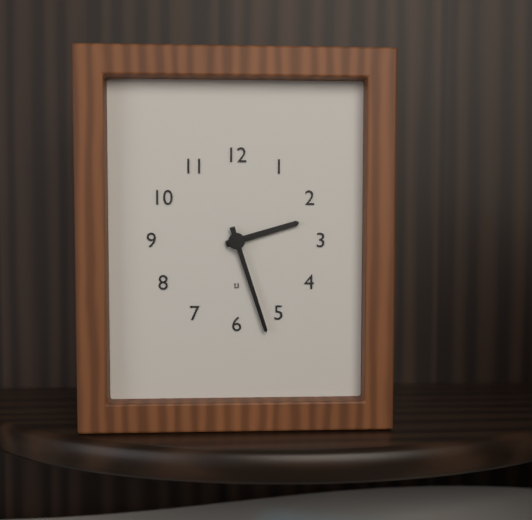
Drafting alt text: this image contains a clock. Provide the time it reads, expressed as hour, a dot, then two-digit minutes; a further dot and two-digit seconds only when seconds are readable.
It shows 2.27
